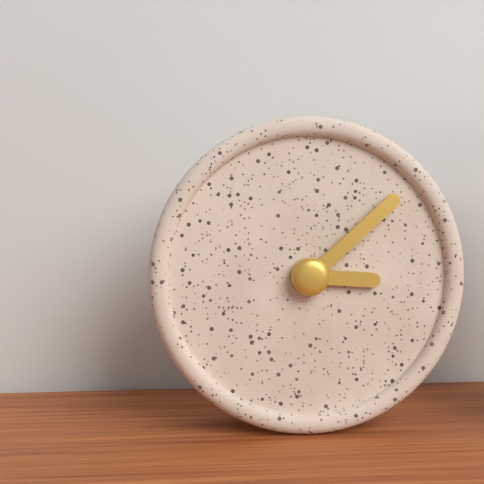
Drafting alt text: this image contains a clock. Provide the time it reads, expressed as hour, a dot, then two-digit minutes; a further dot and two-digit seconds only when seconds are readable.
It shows 3.08
